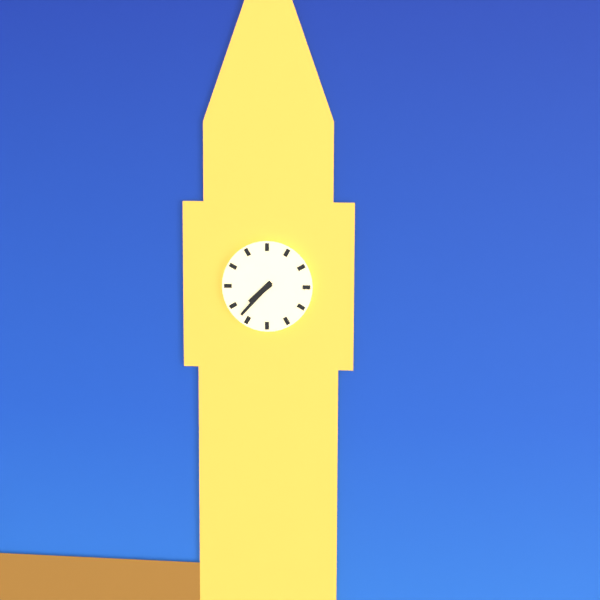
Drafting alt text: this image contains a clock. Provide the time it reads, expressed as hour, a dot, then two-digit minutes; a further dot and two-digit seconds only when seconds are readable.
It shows 7.37
